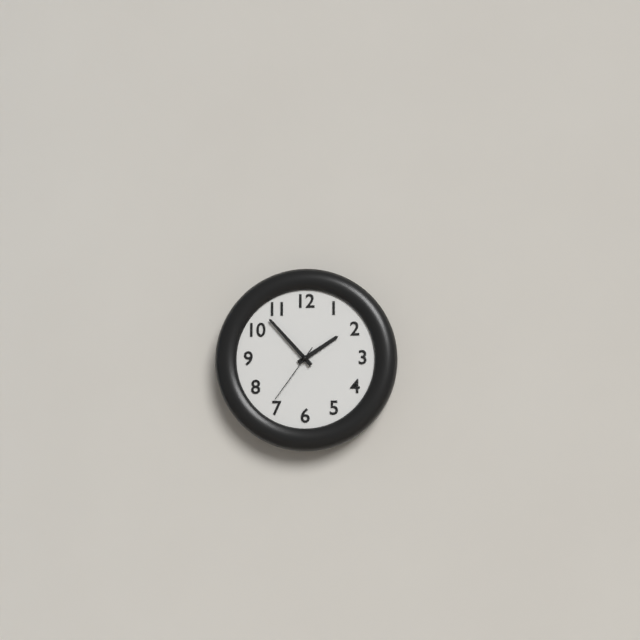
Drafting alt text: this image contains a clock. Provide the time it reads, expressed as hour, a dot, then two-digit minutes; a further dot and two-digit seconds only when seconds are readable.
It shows 1.53.36
